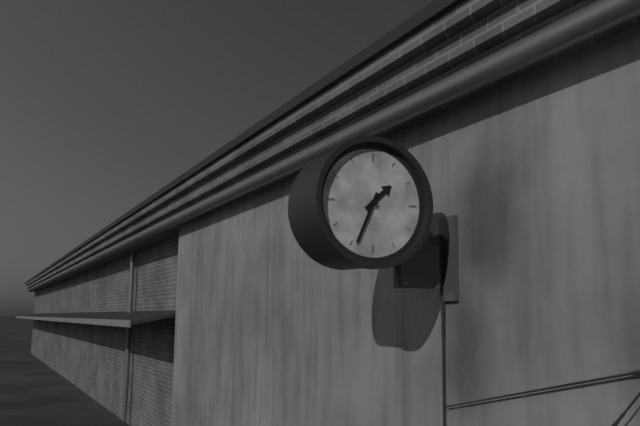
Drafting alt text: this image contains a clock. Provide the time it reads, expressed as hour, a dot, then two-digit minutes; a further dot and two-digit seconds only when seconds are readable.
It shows 1.34
